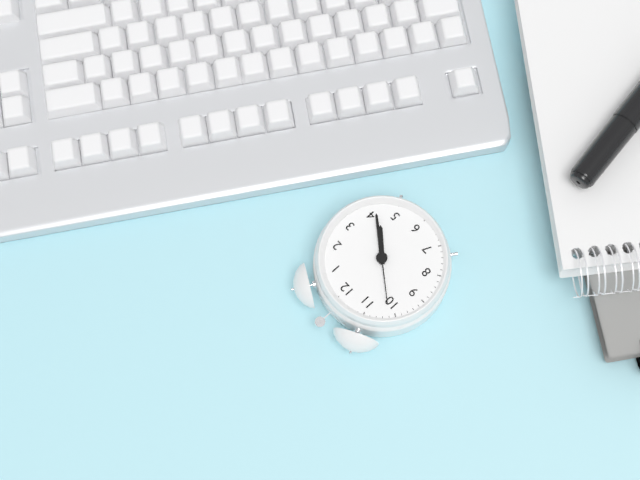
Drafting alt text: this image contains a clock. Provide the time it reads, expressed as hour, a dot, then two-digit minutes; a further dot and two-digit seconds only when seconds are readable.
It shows 4.21.51
